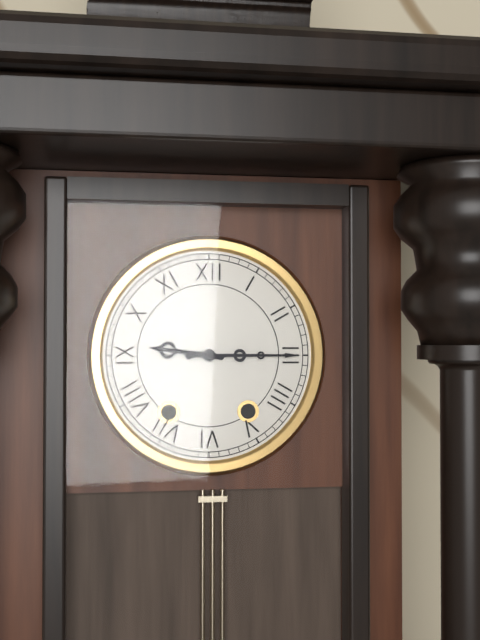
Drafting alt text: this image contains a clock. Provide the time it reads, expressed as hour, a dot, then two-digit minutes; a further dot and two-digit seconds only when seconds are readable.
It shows 9.15
